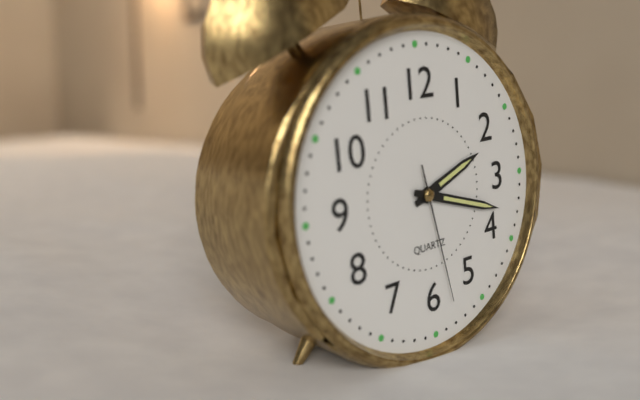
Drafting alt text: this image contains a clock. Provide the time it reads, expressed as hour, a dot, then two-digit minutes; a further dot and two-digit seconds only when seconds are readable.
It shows 2.18.28
